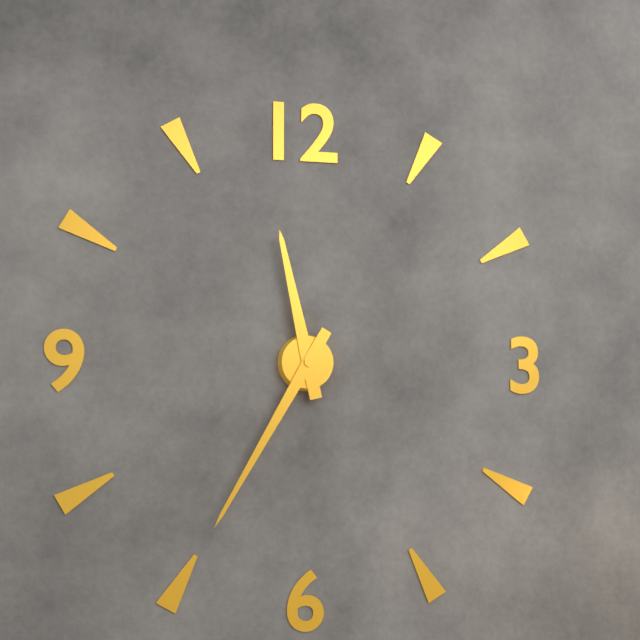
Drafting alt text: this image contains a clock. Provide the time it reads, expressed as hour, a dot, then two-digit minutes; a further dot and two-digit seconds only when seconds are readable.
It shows 11.35
